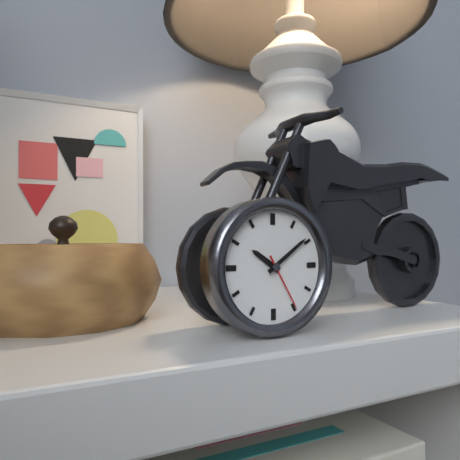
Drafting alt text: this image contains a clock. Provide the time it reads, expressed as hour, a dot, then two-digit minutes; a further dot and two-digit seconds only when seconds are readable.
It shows 10.09.25
